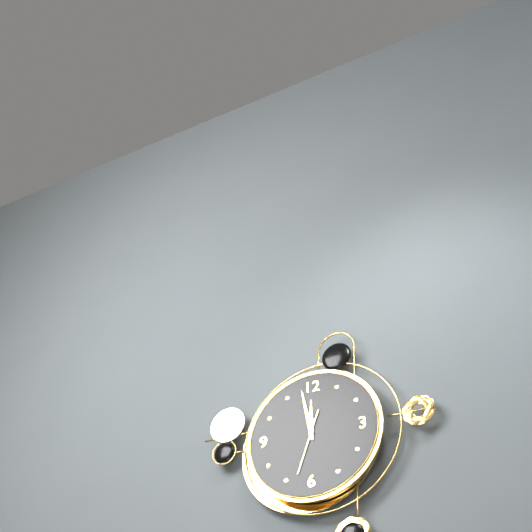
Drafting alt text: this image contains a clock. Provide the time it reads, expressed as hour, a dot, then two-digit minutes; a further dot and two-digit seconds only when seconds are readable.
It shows 11.58.33
